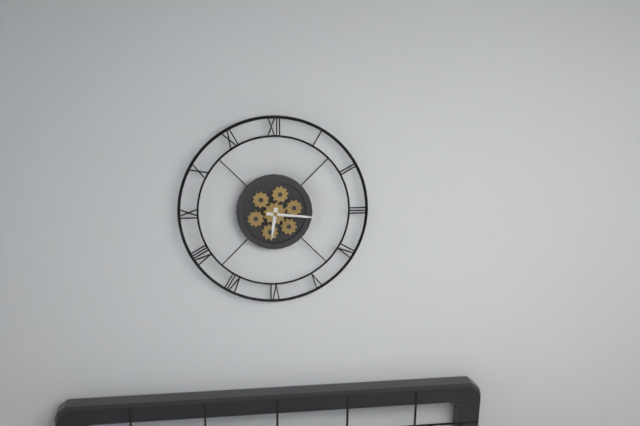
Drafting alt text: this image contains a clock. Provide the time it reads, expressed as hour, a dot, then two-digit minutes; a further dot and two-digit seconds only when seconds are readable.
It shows 6.16
